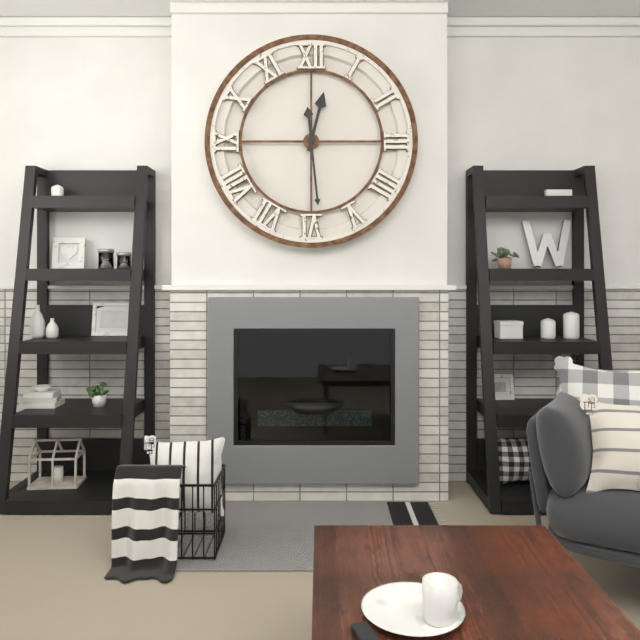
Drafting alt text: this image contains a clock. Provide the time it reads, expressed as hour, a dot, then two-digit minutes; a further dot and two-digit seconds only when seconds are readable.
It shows 12.29
